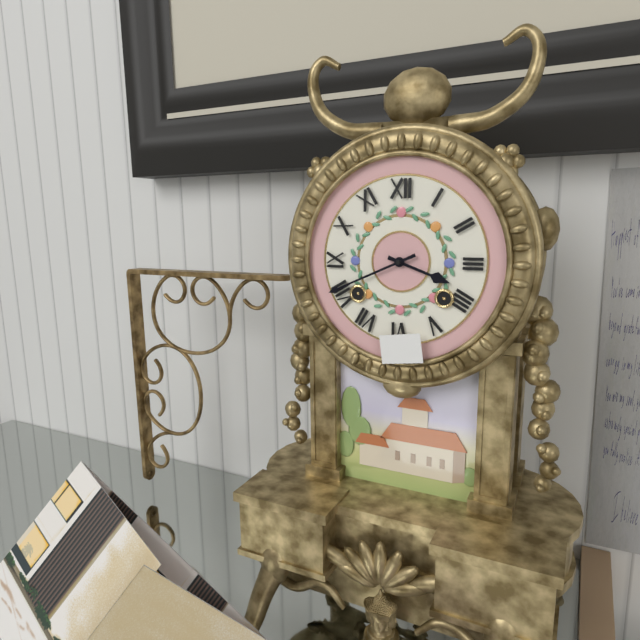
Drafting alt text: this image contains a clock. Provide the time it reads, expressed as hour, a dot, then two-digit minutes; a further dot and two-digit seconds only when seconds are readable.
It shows 3.41
